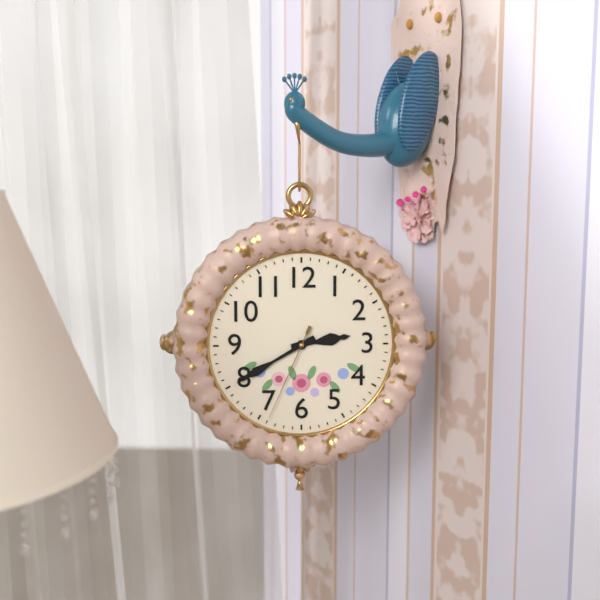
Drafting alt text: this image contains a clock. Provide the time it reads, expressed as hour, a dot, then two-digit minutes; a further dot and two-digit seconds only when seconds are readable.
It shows 2.40.34
